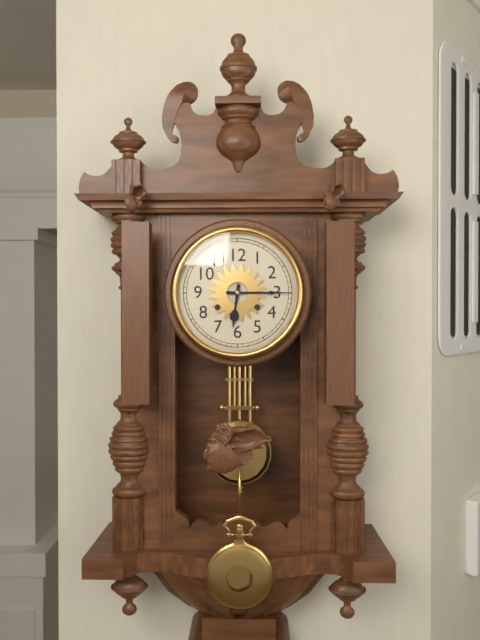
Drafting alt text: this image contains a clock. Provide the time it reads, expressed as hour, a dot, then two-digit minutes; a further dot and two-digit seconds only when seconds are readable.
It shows 6.15
